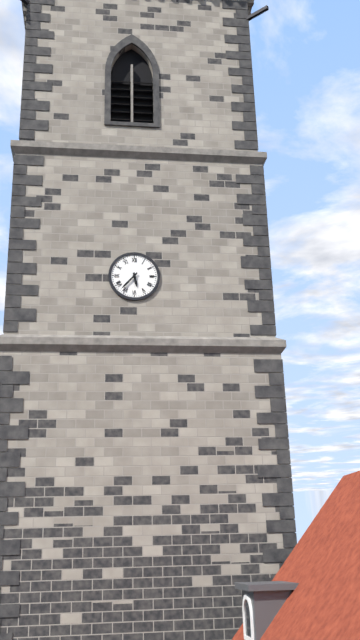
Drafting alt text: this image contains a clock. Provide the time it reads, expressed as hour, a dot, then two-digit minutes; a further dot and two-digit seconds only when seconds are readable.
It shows 5.37
